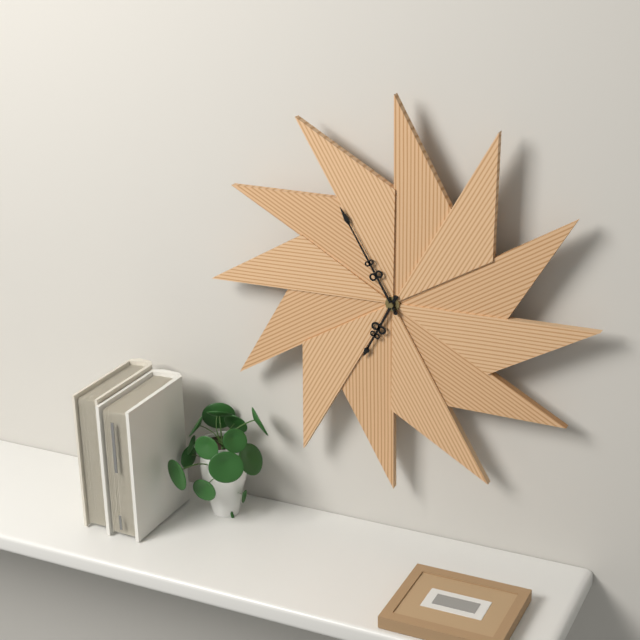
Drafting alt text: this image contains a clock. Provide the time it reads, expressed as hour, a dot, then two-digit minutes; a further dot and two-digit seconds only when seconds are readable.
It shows 6.55
